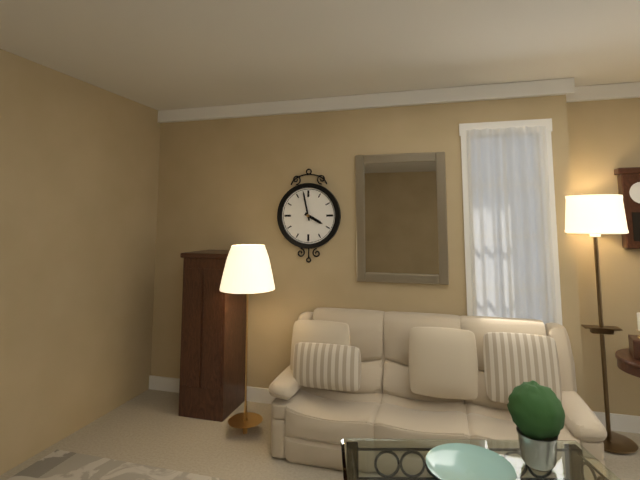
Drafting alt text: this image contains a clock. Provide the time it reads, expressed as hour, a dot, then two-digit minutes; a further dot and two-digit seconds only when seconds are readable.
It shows 3.58
